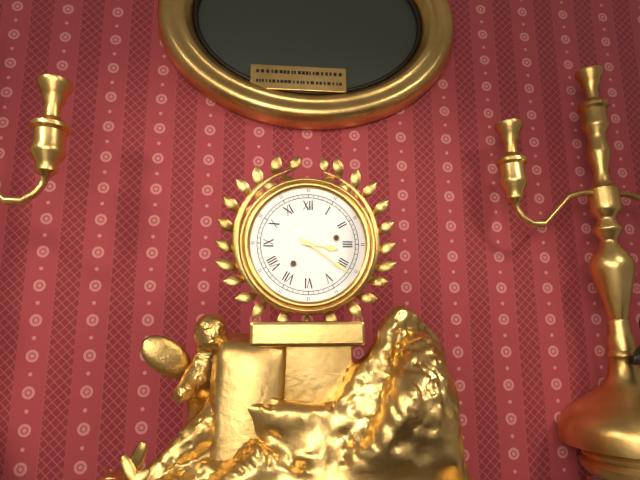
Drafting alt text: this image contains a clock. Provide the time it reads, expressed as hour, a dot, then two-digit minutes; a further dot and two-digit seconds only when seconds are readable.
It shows 3.21
